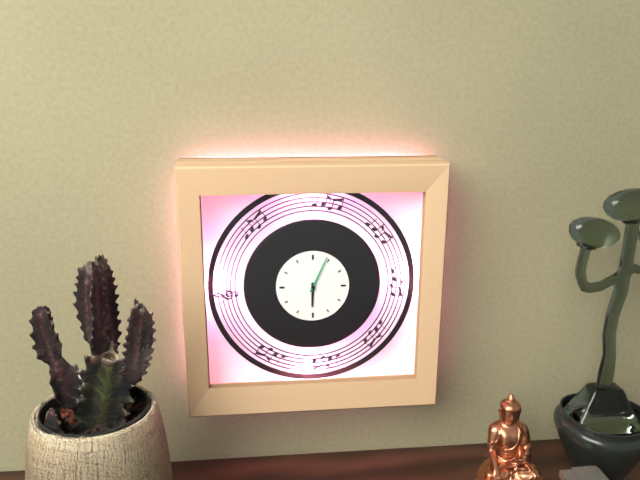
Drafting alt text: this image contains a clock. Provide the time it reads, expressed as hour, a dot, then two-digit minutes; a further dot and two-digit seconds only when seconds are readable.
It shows 6.04
